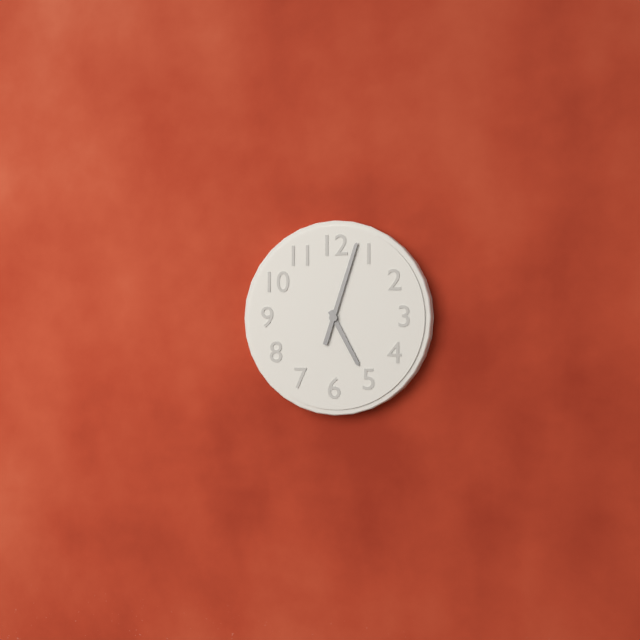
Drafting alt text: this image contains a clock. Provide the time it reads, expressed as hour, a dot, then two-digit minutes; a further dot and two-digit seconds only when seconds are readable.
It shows 5.03
